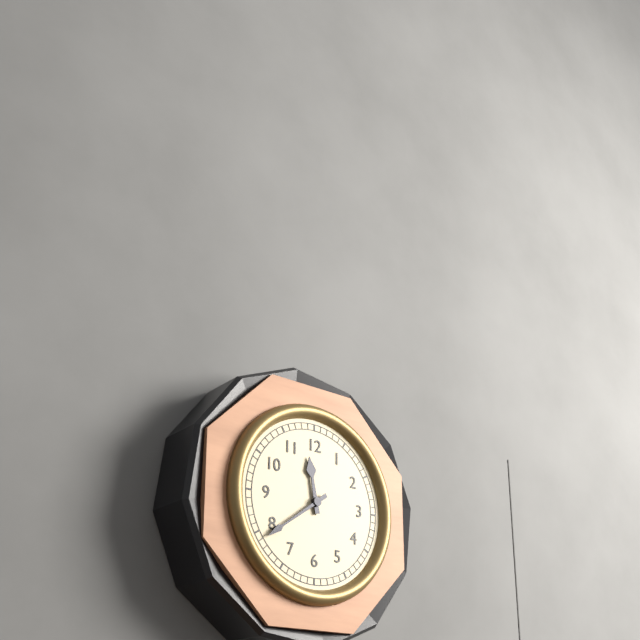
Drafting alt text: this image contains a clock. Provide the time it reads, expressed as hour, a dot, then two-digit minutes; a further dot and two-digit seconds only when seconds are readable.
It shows 11.39
